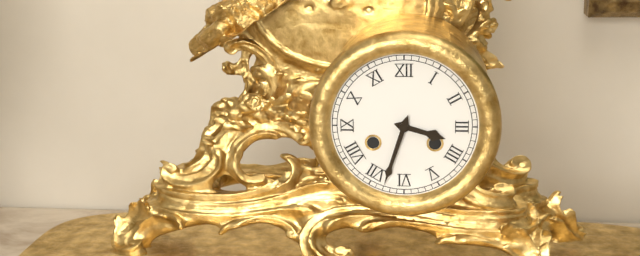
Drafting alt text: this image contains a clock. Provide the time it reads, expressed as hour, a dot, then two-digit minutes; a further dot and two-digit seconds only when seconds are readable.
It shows 3.33
